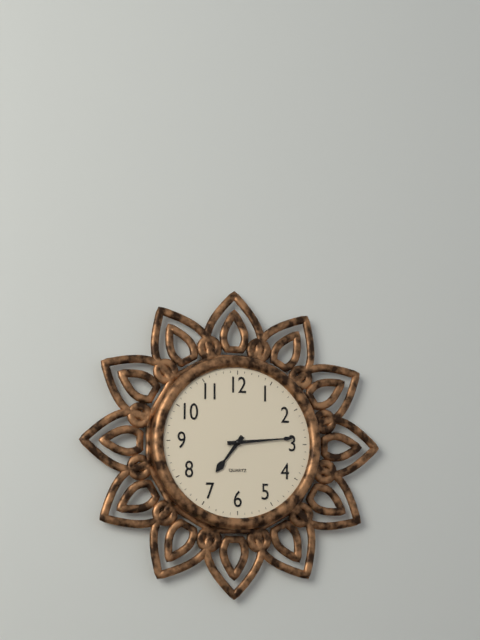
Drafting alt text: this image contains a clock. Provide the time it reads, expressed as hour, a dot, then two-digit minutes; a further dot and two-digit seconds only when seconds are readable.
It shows 7.14
